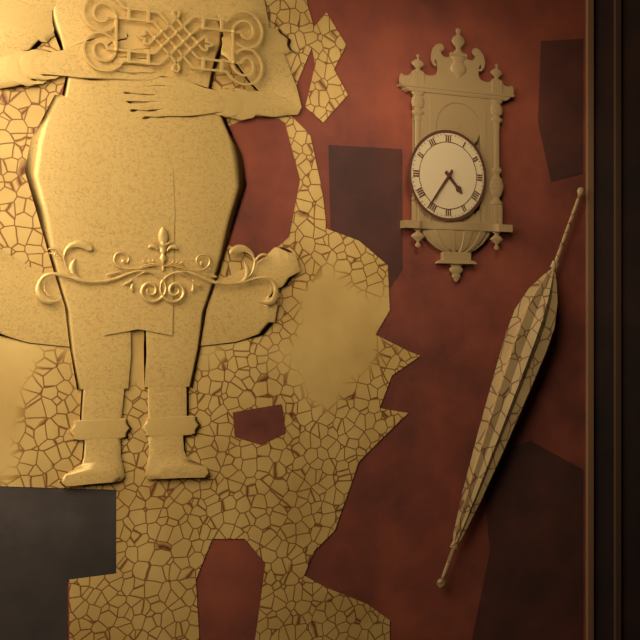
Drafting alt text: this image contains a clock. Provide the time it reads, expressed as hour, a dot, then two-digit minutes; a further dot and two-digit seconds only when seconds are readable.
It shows 4.36
